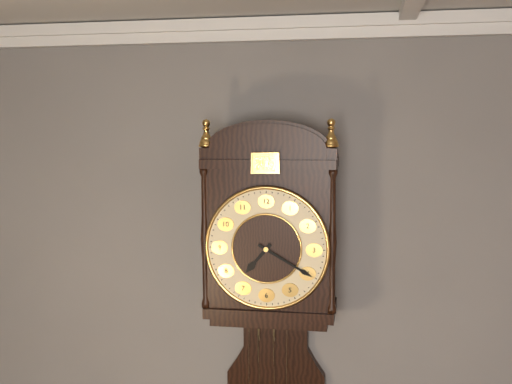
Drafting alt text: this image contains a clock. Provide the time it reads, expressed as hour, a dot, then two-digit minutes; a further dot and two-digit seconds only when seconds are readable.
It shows 7.20
